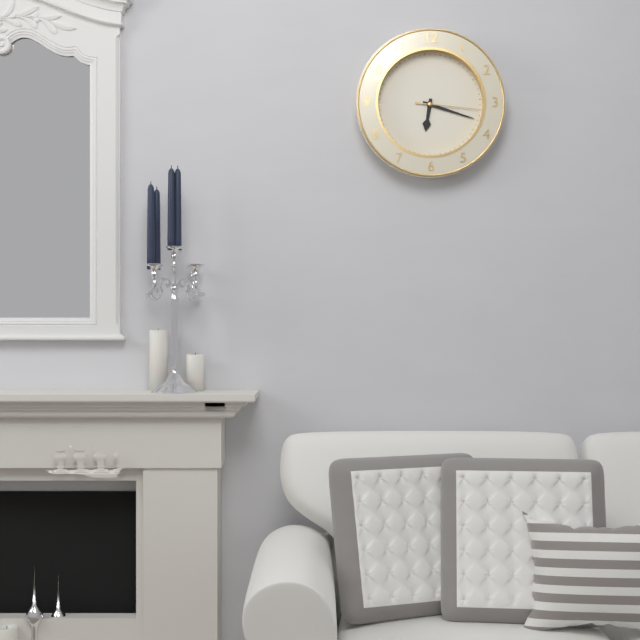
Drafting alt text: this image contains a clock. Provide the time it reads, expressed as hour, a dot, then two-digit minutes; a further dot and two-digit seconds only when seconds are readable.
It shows 6.18.16
